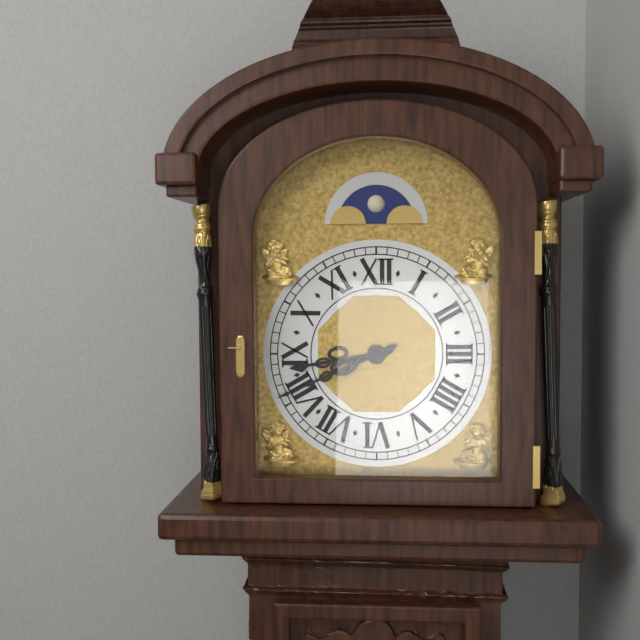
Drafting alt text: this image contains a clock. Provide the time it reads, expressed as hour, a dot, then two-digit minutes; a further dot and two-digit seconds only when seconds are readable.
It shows 8.41
